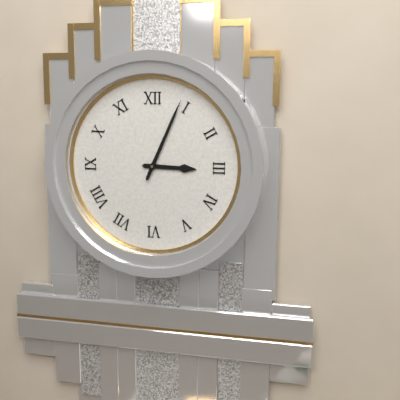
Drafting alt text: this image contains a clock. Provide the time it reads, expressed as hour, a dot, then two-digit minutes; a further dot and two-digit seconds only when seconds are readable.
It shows 3.04
